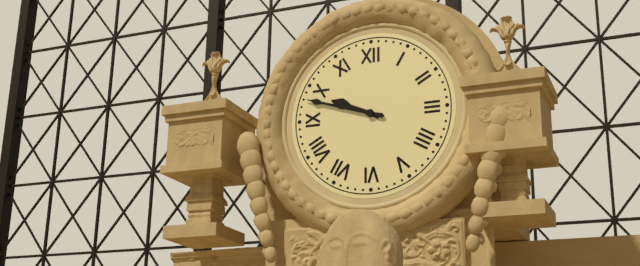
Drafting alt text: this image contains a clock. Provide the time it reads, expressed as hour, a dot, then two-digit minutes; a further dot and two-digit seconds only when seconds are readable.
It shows 9.48
